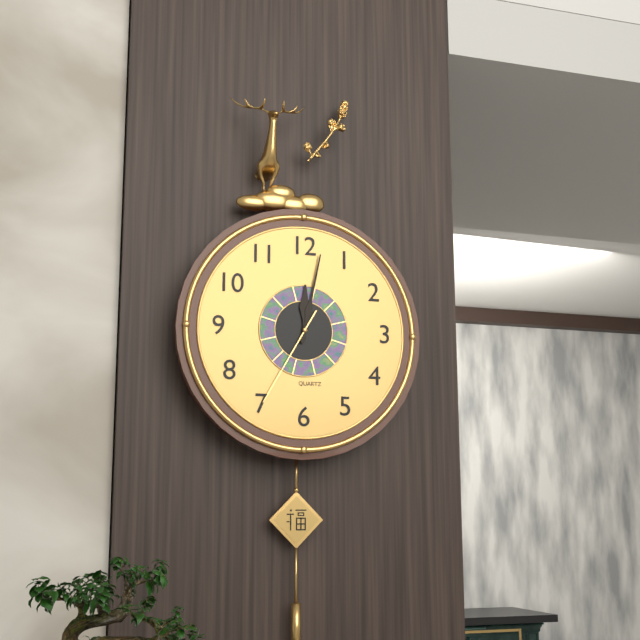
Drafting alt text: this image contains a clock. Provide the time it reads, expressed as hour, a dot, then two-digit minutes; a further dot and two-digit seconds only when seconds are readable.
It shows 12.02.35
